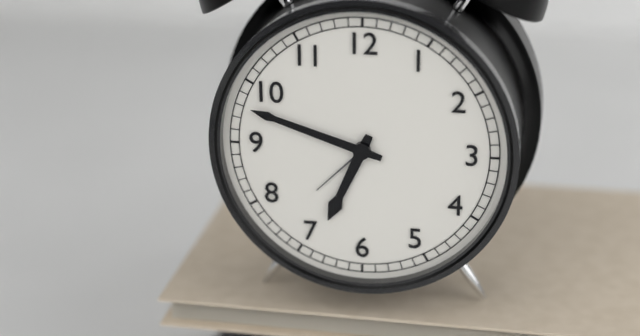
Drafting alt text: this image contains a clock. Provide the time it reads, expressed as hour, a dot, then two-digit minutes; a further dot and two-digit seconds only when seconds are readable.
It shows 6.48
